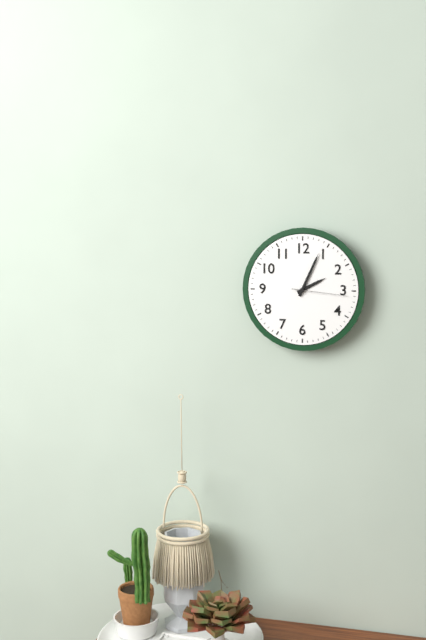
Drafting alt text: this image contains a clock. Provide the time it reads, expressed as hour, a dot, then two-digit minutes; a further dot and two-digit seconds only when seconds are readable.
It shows 2.04.16
